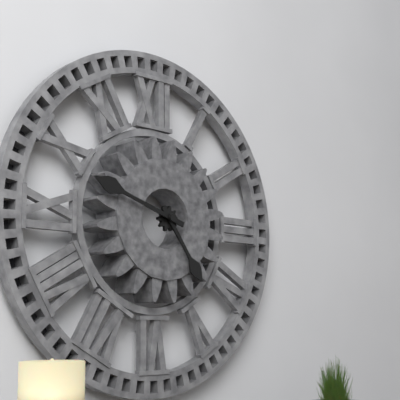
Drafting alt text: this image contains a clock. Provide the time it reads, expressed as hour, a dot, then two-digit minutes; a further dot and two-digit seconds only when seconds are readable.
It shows 4.48
